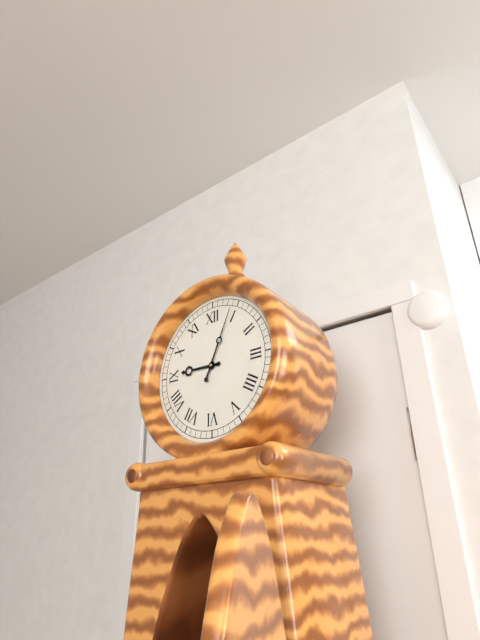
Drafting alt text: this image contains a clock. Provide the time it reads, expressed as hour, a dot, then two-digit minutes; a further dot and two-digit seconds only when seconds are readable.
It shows 9.04
